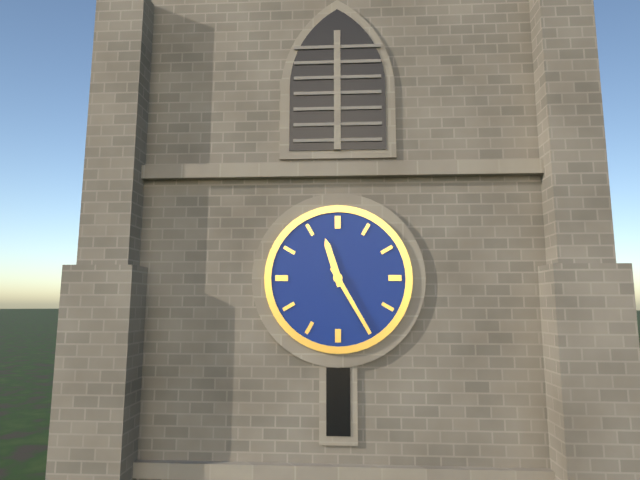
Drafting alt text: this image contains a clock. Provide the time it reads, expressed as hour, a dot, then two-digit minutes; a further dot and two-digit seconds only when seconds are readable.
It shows 11.25
